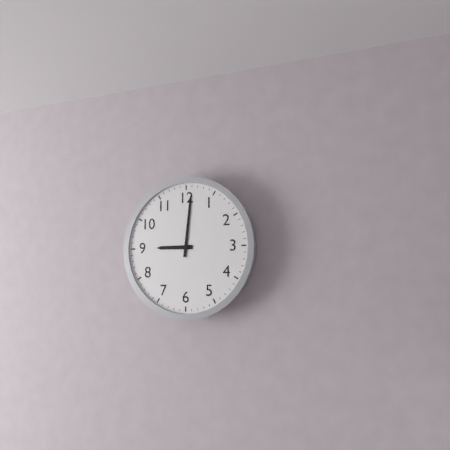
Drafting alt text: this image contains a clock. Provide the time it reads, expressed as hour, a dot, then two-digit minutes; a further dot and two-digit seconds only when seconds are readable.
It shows 9.01
